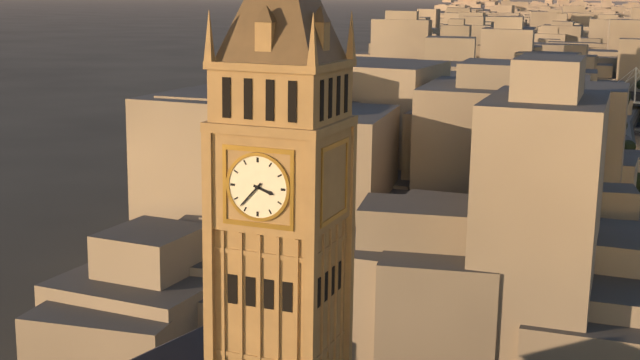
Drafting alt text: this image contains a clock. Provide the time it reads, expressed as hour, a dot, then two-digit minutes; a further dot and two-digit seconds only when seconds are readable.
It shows 3.37
